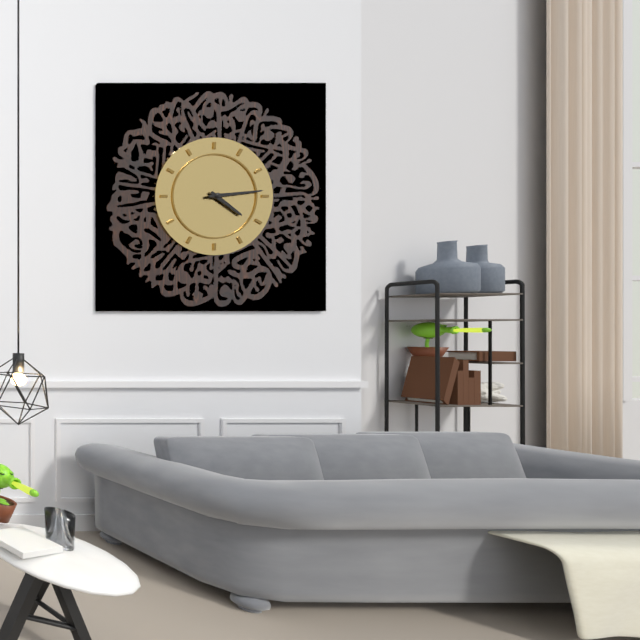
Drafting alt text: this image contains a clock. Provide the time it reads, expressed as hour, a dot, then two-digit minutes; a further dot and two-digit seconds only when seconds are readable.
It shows 4.14
